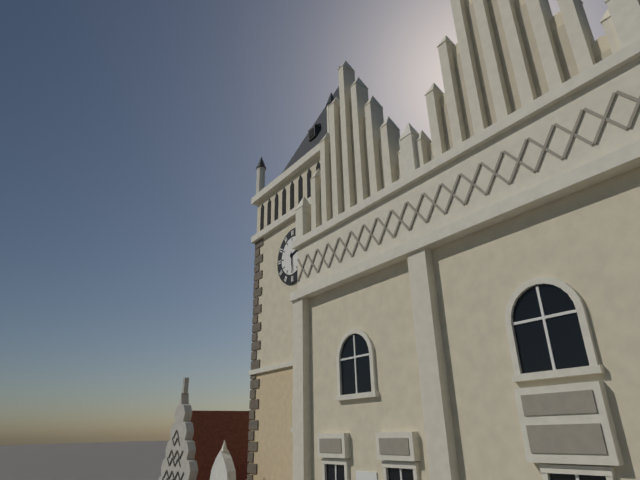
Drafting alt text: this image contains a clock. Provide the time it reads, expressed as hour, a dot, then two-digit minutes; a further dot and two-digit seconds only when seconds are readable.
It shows 2.29
